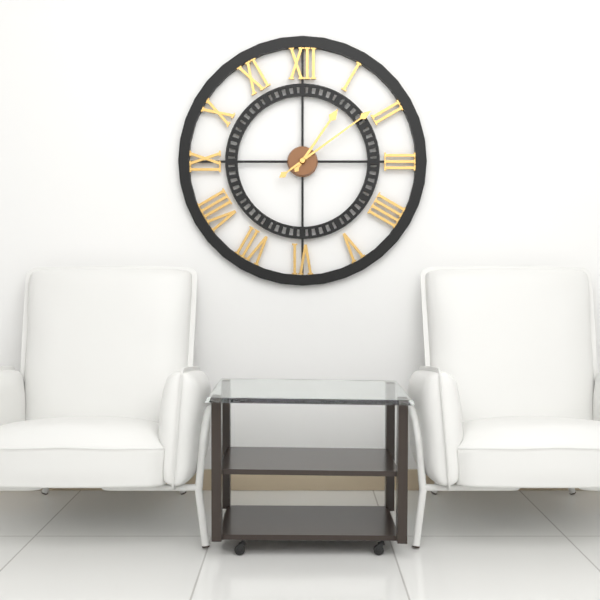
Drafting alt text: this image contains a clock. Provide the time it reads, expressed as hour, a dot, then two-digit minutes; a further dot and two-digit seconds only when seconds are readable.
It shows 1.09
